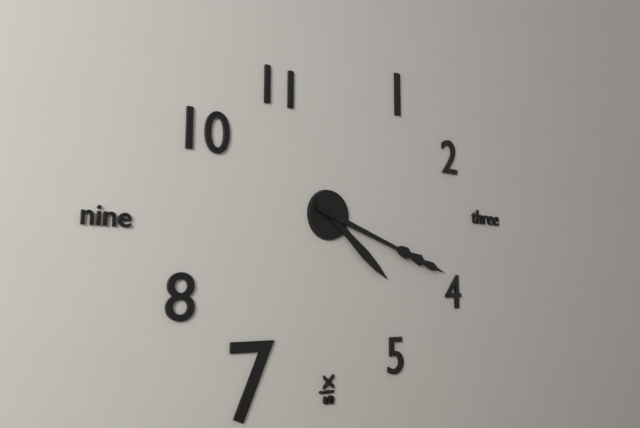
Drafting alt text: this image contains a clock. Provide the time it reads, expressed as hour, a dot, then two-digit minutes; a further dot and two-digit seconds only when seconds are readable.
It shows 4.18
